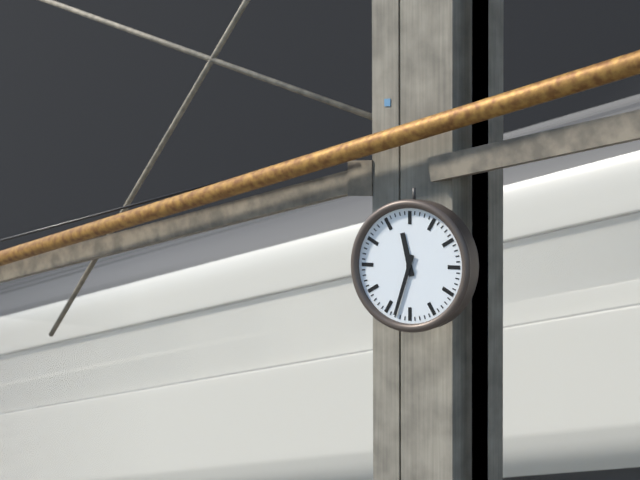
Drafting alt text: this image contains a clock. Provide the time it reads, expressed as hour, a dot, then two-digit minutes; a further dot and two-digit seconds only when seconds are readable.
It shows 11.33
